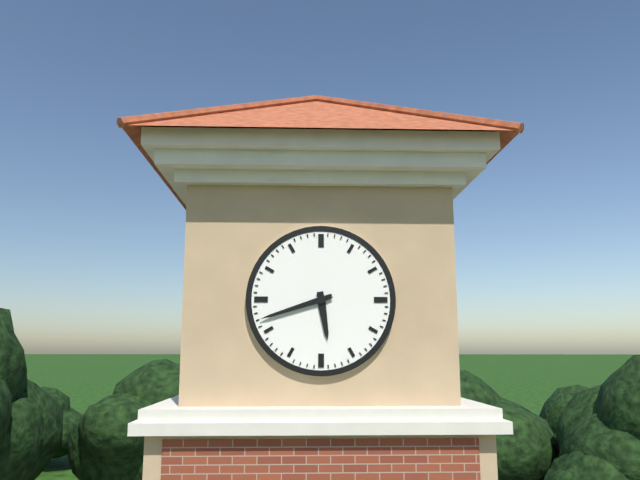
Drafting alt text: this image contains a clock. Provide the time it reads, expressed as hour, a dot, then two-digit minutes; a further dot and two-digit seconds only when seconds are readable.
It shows 5.42
